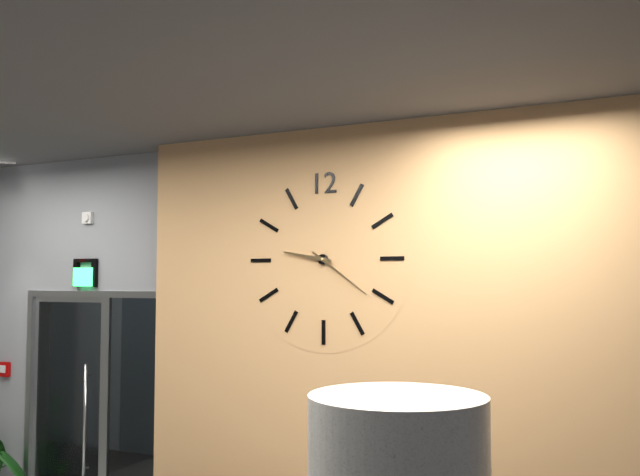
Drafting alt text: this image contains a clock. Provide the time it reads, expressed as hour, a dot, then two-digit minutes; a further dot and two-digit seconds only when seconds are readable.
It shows 9.21
